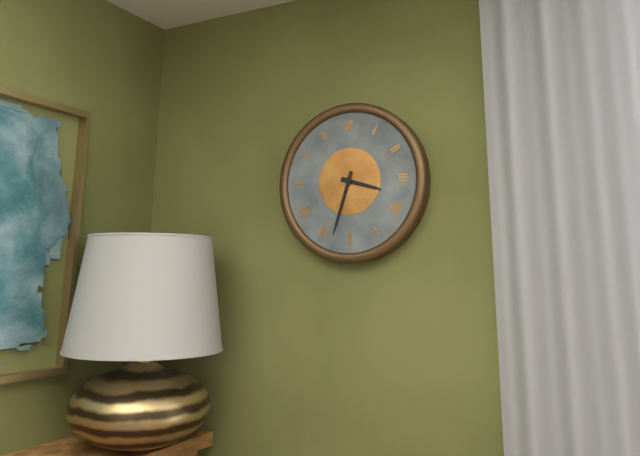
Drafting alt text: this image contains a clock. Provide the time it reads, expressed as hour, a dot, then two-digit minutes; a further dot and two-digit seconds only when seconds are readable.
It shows 3.33
